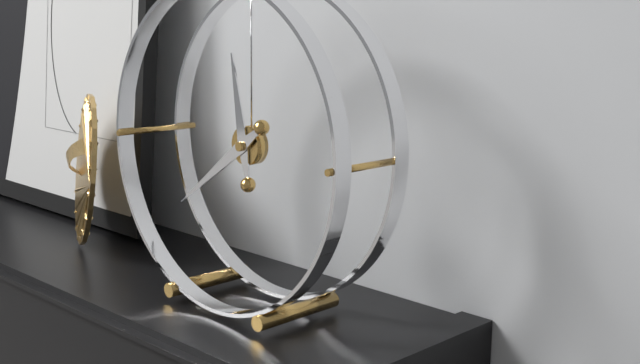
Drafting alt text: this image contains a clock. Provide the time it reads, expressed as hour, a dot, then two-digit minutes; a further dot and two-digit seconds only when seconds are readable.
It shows 11.39
